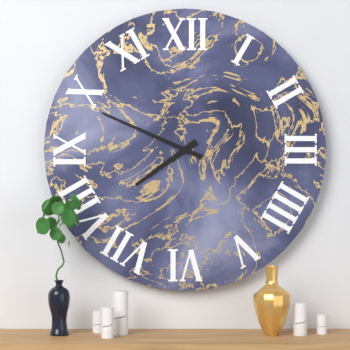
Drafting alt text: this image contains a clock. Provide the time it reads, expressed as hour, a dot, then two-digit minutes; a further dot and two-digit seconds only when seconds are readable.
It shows 7.49
